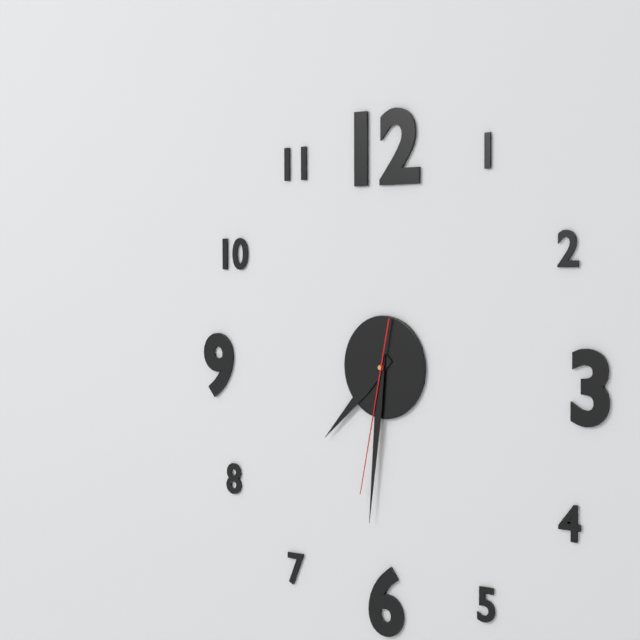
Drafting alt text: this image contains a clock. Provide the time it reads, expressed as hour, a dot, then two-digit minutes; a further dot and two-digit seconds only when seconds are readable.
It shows 7.31.32
